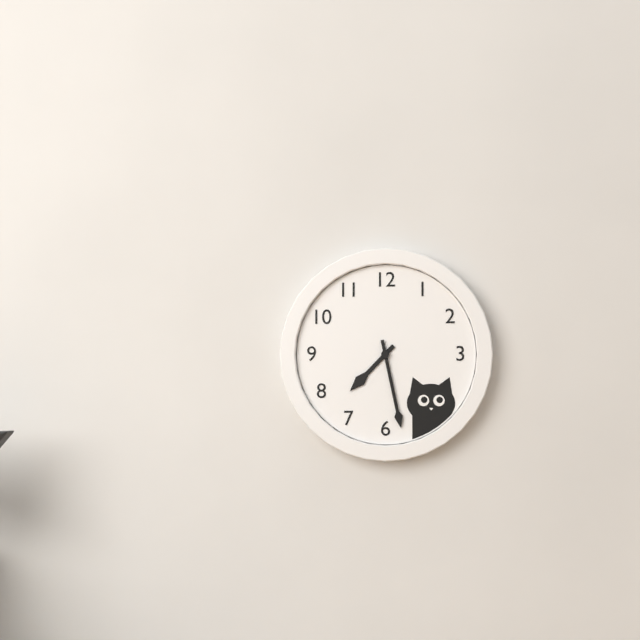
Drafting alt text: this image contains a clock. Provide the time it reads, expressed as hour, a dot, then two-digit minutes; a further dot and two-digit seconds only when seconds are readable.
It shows 7.28
